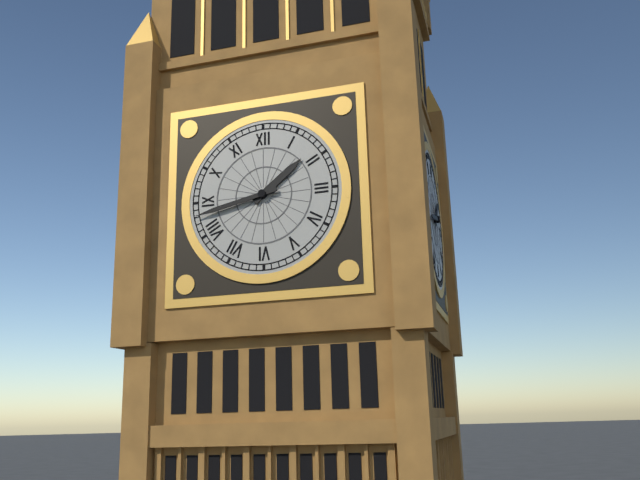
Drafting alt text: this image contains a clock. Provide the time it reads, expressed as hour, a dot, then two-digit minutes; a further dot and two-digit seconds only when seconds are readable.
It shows 1.43
